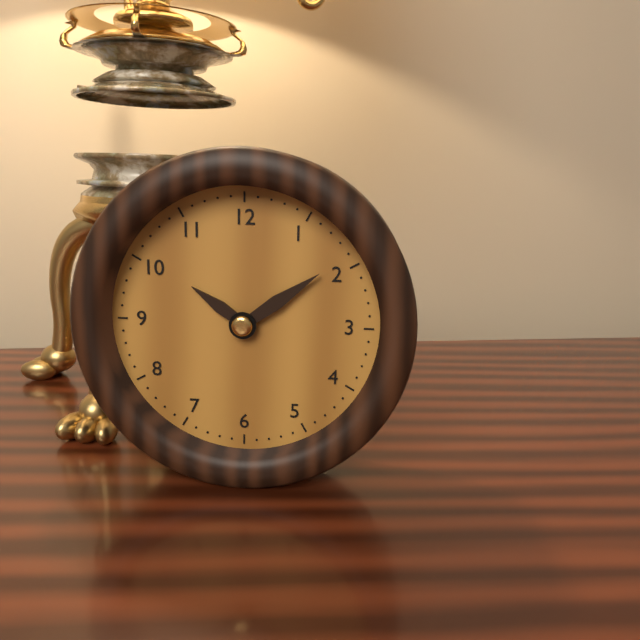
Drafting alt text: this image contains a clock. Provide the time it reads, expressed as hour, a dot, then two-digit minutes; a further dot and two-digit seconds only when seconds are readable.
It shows 10.09
